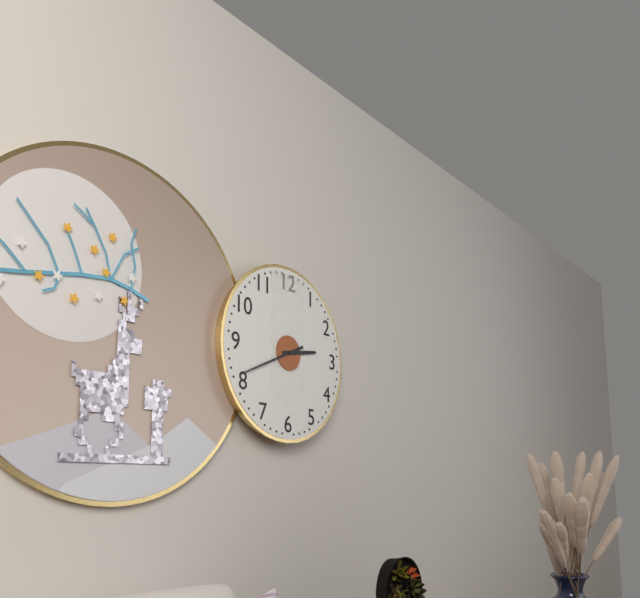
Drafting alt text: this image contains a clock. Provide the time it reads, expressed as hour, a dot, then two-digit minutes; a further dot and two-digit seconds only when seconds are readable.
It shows 2.41
